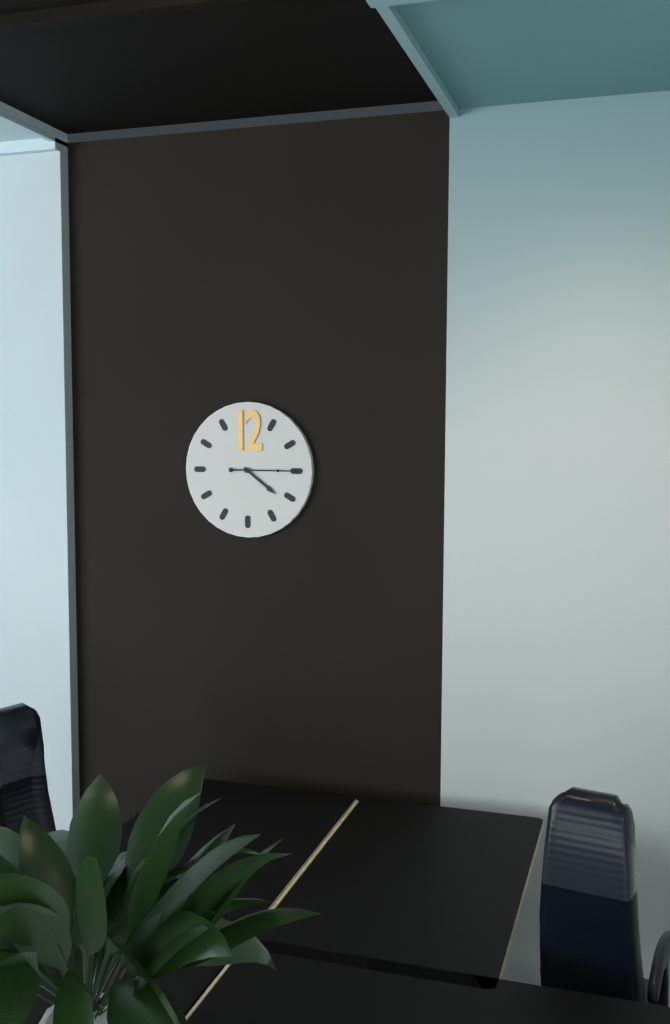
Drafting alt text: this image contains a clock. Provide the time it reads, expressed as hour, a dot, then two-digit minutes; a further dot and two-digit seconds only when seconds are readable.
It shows 4.15
